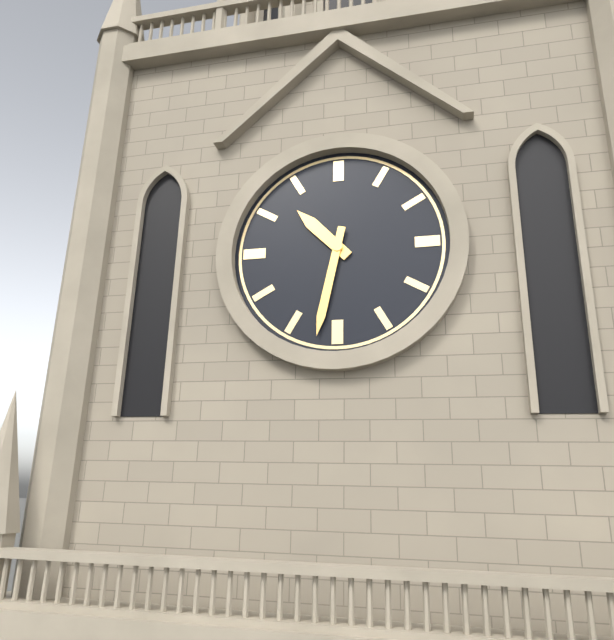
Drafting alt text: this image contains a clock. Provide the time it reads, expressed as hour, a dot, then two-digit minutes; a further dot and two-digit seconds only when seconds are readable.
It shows 10.32
